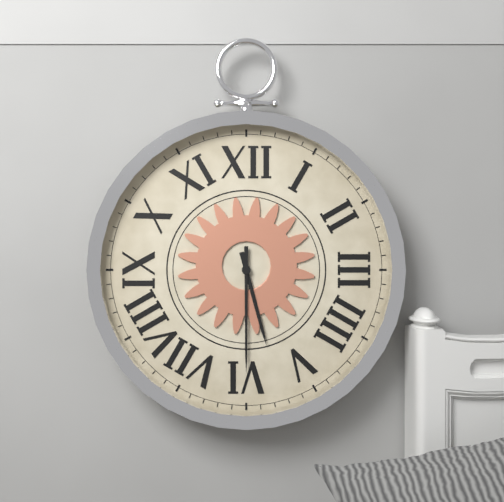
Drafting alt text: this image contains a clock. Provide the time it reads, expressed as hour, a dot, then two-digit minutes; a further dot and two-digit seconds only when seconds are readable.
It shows 5.30
